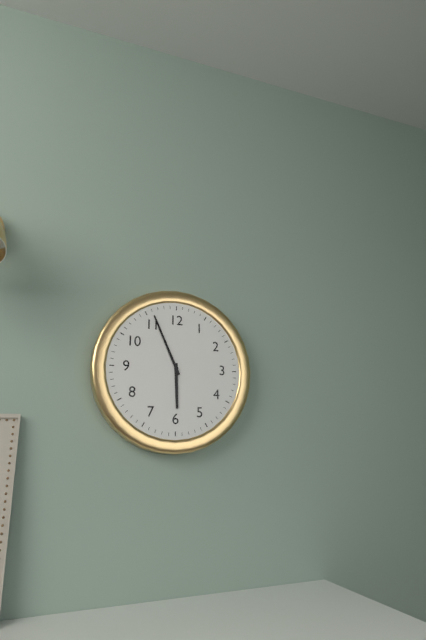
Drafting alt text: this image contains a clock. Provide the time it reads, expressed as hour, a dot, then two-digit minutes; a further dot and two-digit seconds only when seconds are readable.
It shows 5.56
